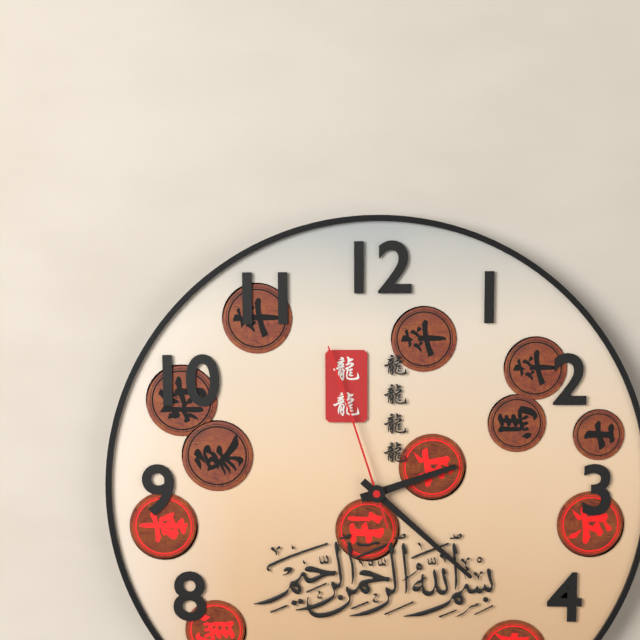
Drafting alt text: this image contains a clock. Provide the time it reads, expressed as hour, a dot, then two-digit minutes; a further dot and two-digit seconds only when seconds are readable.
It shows 2.22.57
